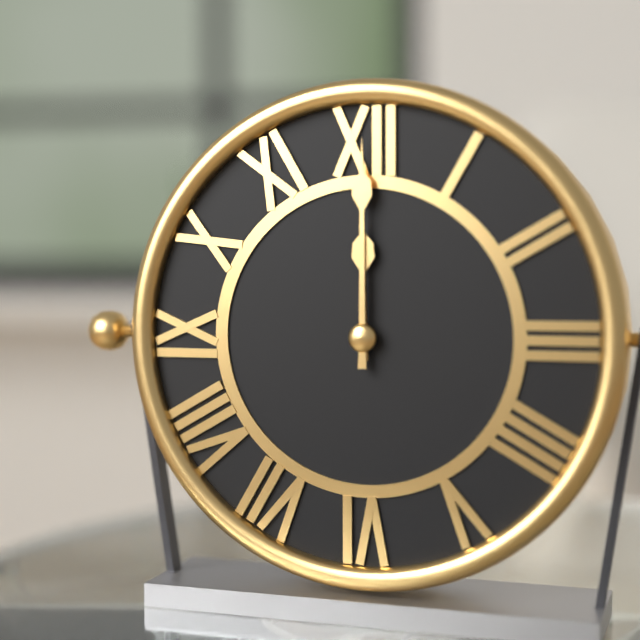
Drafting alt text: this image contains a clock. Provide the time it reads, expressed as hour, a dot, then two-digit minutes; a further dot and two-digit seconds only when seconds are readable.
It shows 12.00
